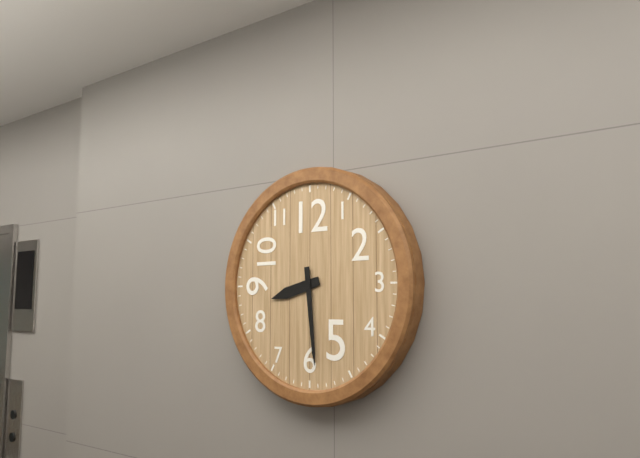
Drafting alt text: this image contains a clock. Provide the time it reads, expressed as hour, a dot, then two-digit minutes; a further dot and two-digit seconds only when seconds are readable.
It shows 8.29
